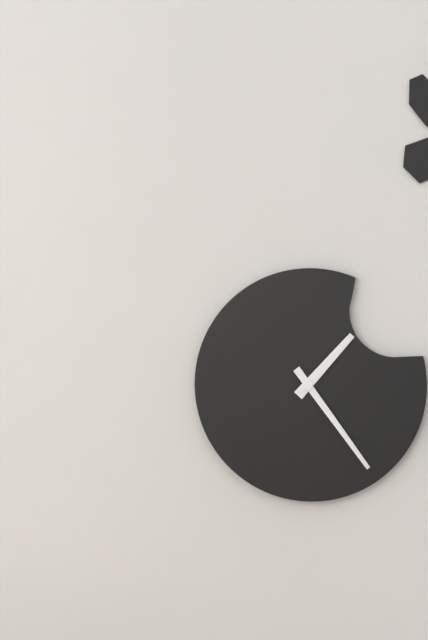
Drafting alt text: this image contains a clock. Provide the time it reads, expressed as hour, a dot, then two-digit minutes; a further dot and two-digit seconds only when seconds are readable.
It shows 1.24
